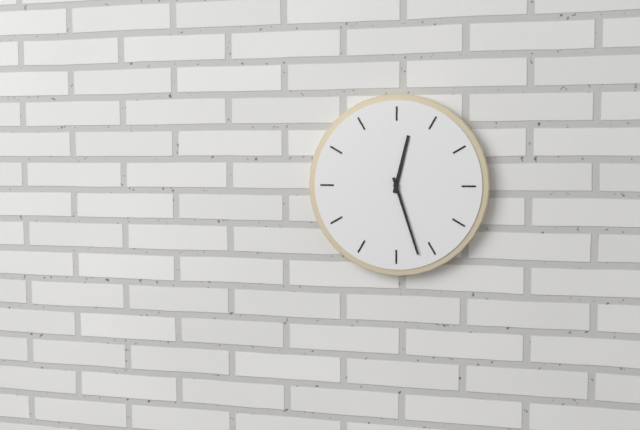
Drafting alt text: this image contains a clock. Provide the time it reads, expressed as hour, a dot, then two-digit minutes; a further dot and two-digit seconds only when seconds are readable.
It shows 12.27
